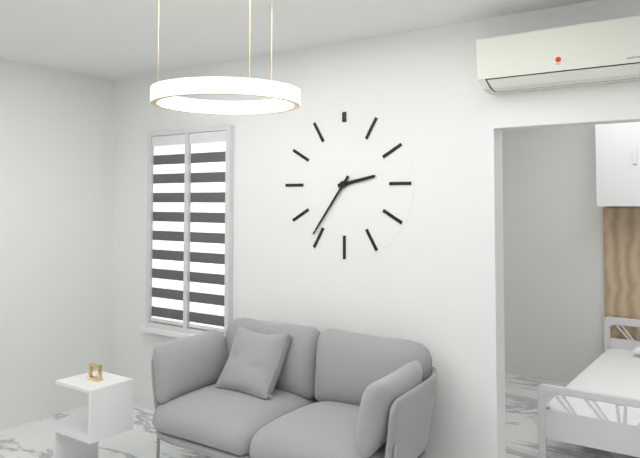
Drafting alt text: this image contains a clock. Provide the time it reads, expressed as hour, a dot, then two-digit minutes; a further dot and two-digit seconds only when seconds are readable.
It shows 2.36
